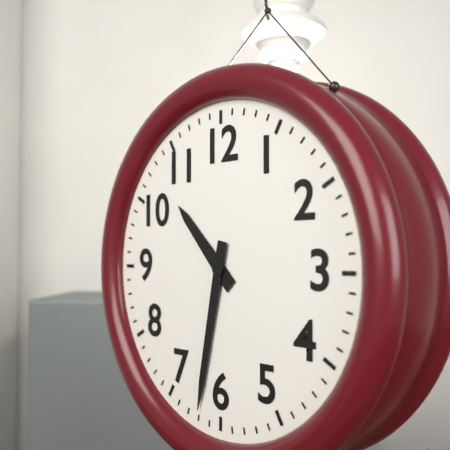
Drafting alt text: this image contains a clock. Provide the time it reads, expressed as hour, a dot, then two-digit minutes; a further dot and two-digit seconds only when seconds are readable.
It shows 10.32
